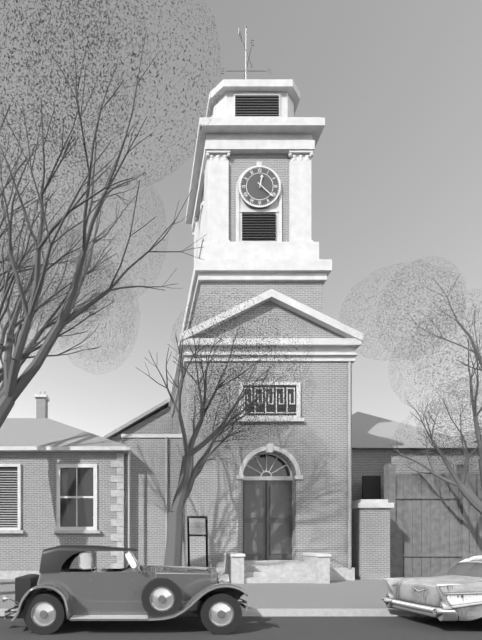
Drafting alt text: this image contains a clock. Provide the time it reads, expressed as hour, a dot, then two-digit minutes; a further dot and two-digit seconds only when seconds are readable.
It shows 12.22
